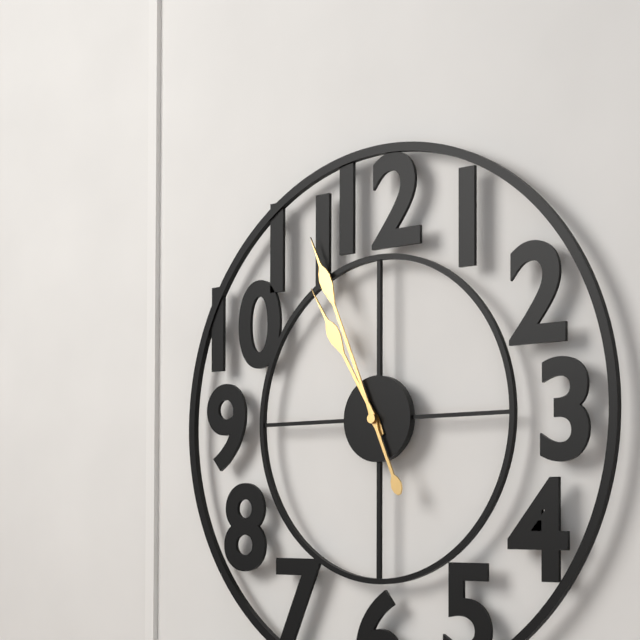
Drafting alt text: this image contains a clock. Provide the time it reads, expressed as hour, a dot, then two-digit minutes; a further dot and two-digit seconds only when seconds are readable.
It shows 10.56
